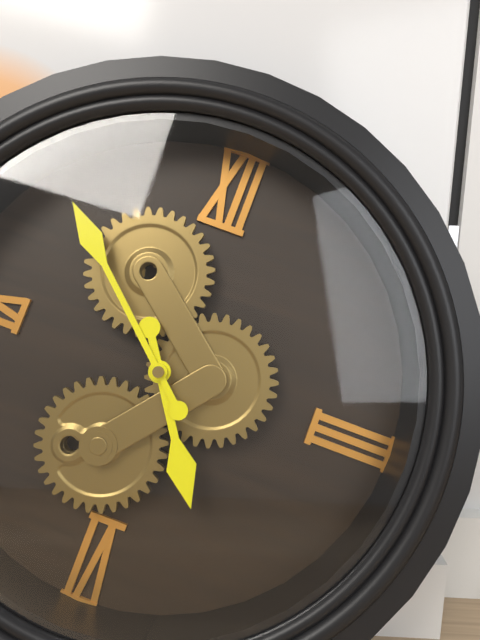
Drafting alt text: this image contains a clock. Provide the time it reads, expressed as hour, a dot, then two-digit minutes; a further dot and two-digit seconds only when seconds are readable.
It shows 4.52
